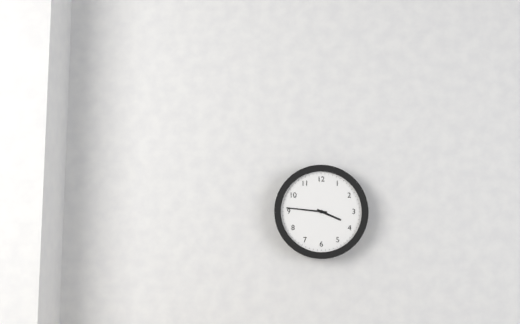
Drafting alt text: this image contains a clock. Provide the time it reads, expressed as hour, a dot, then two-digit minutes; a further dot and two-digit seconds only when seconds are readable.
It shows 3.46
